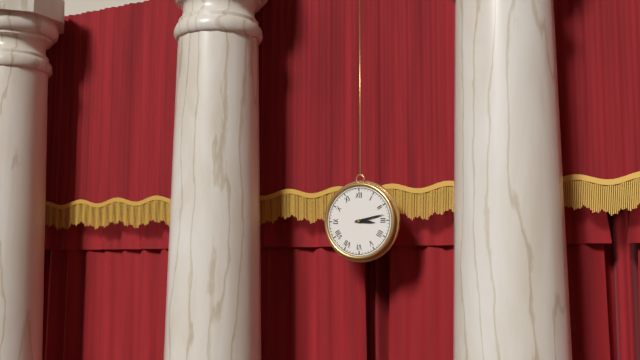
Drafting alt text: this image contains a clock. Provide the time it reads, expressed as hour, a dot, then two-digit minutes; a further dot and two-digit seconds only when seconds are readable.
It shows 3.13
